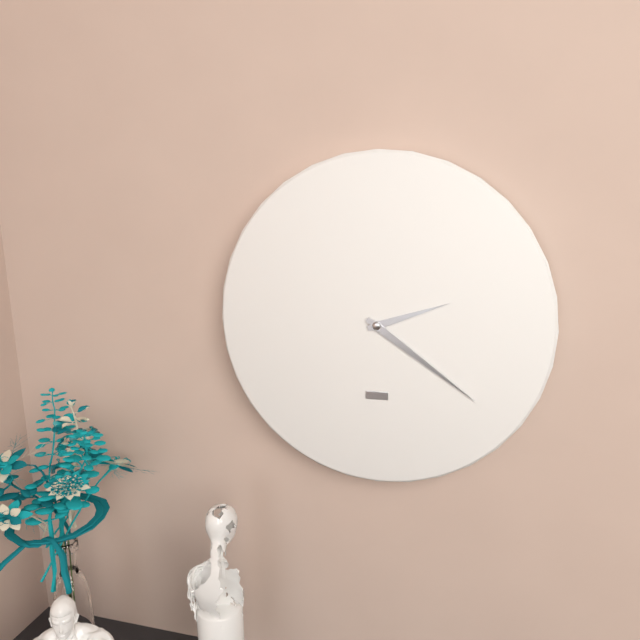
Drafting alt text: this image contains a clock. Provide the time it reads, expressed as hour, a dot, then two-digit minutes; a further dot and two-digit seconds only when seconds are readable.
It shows 2.21
